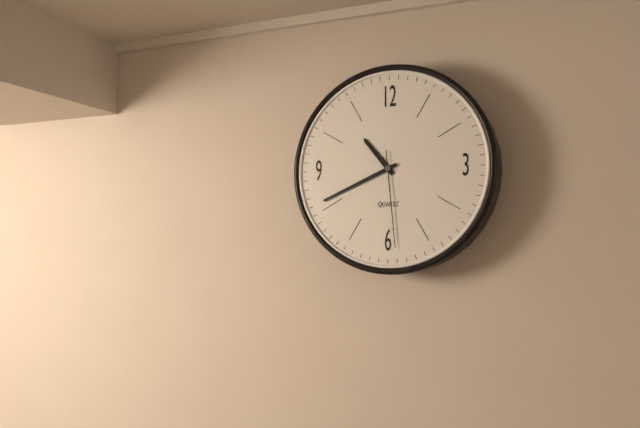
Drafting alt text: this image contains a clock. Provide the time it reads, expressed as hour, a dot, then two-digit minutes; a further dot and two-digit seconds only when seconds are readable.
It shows 10.41.29
